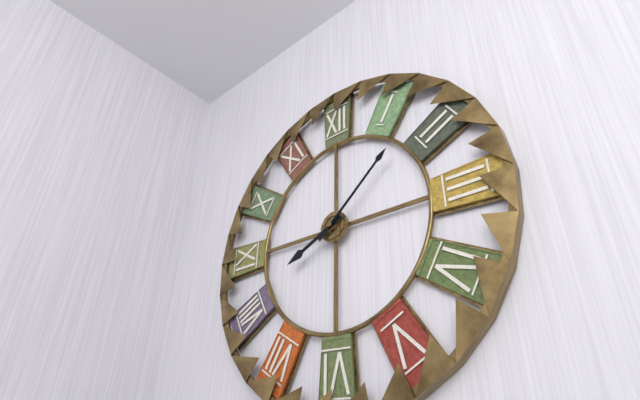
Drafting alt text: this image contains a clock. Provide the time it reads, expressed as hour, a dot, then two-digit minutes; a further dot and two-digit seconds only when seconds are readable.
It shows 8.08
